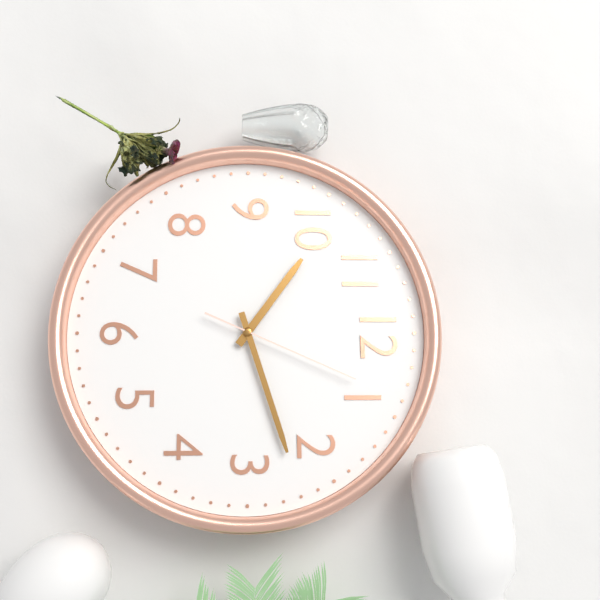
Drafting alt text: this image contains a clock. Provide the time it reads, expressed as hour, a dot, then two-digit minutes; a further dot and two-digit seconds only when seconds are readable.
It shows 10.12.04
